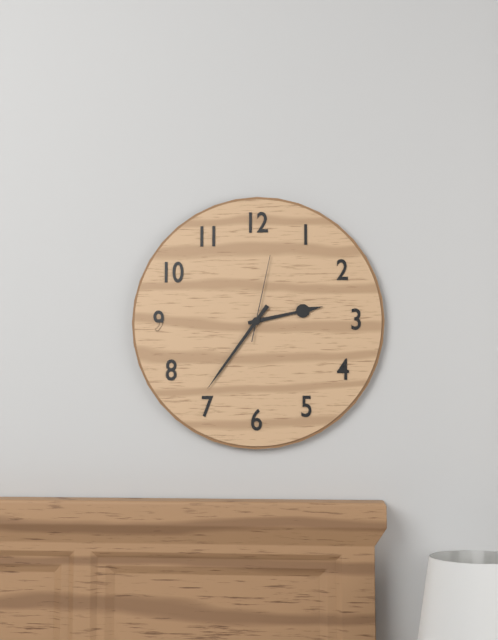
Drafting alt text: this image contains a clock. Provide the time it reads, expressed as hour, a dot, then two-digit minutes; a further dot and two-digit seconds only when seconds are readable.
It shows 2.36.02
